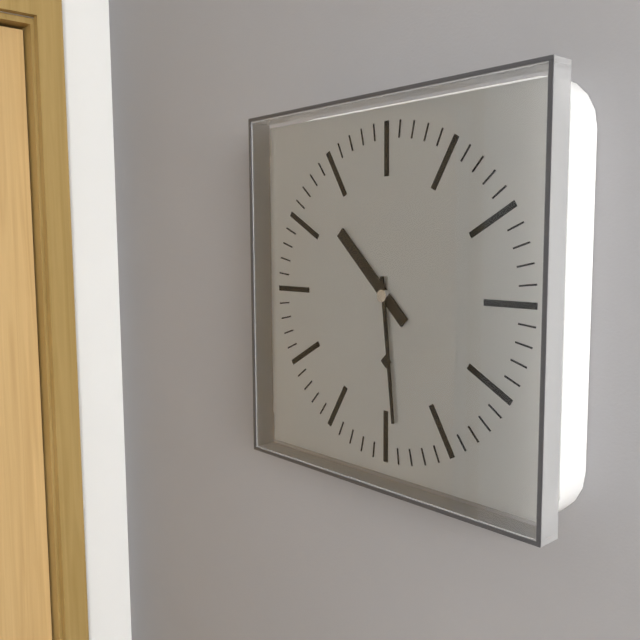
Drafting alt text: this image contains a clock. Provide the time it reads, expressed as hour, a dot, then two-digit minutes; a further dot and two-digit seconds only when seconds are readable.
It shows 10.29
